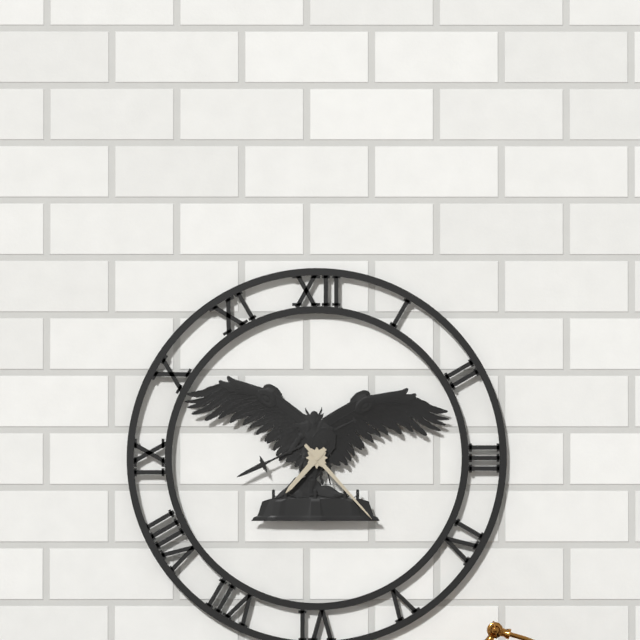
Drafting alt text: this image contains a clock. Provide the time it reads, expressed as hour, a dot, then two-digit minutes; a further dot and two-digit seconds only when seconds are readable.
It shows 7.23
